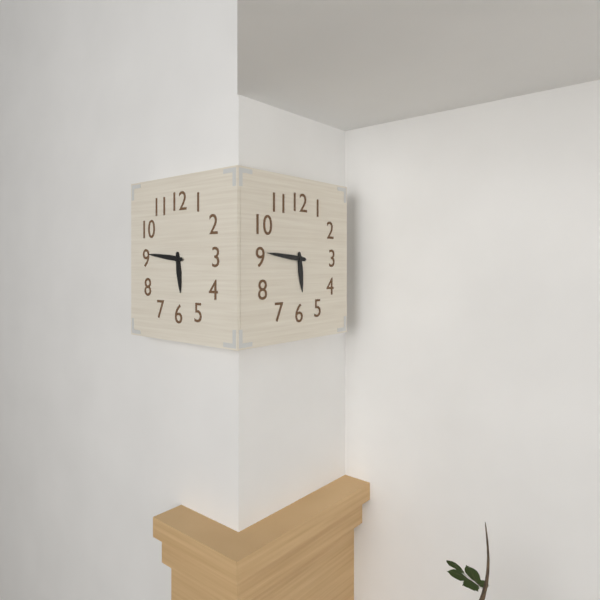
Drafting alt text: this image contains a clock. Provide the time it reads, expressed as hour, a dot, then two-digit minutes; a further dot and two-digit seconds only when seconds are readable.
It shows 5.46
